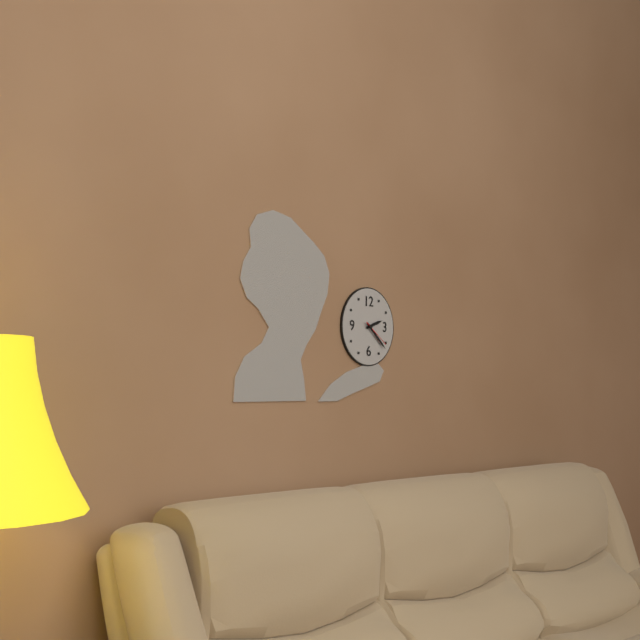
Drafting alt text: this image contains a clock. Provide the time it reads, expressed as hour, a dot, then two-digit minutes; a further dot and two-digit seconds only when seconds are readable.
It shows 2.22
